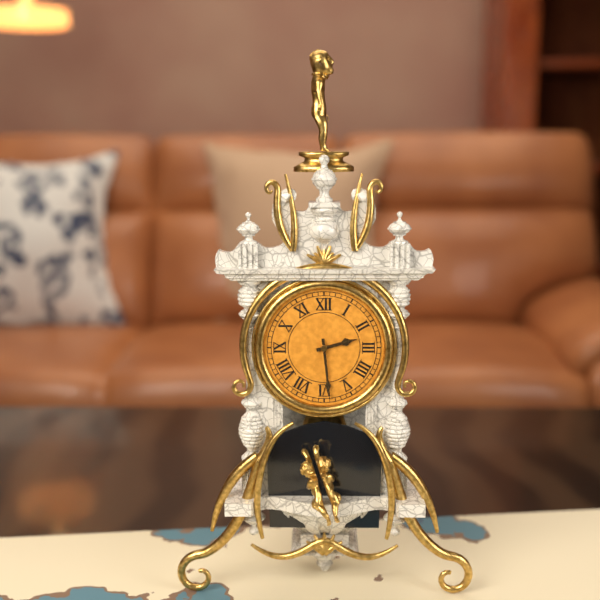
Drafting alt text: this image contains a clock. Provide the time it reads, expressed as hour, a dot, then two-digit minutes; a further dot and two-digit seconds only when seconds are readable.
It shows 2.29
